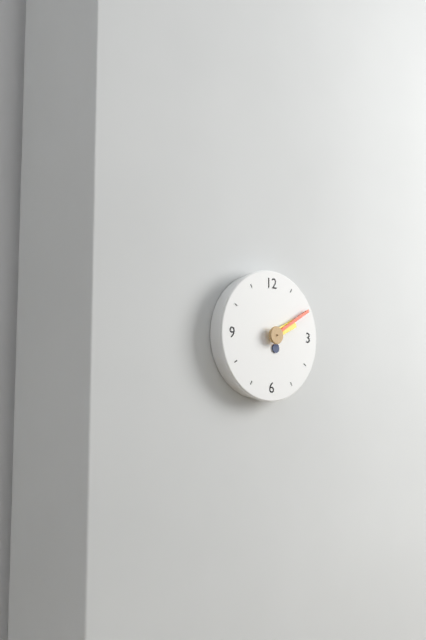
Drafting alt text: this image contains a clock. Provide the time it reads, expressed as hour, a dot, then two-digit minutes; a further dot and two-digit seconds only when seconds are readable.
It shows 2.10
